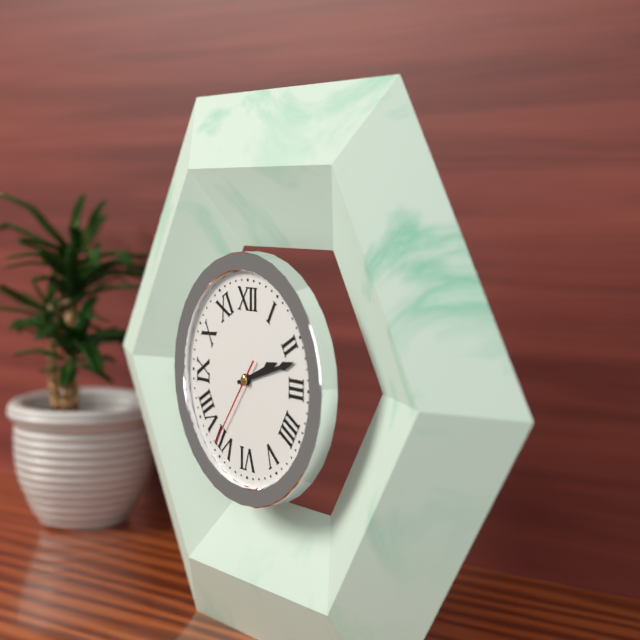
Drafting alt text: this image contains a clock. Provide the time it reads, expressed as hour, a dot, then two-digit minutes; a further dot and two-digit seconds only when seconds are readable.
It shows 2.12.36
